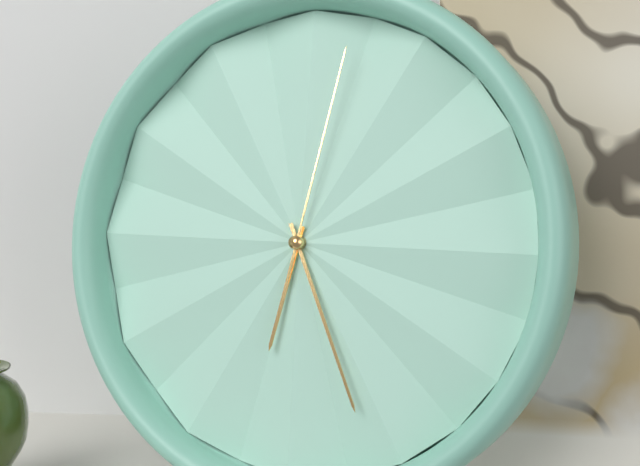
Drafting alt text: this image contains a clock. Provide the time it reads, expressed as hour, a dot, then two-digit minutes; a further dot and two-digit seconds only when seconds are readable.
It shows 6.26.02
